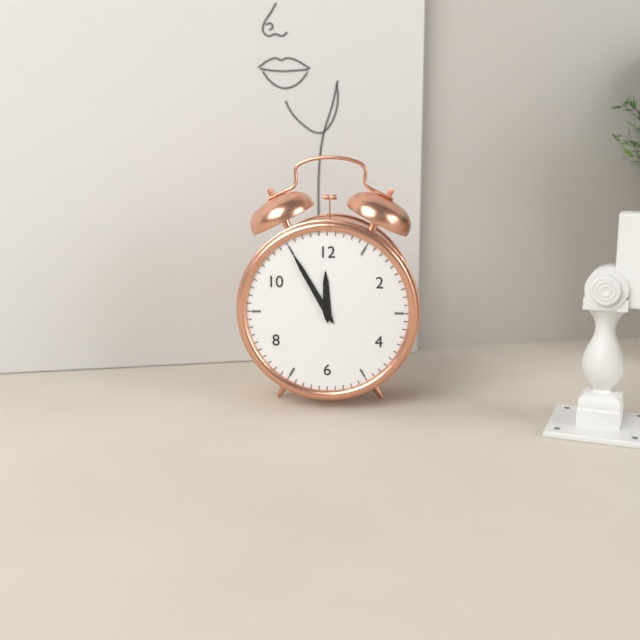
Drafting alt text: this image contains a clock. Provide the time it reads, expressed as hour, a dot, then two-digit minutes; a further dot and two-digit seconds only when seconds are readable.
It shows 11.55
